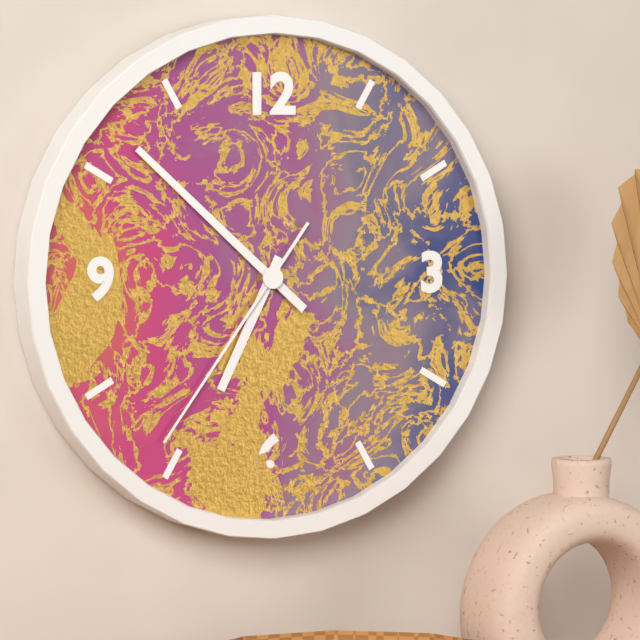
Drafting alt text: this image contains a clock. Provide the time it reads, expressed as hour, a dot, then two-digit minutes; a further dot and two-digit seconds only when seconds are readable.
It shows 6.52.36
